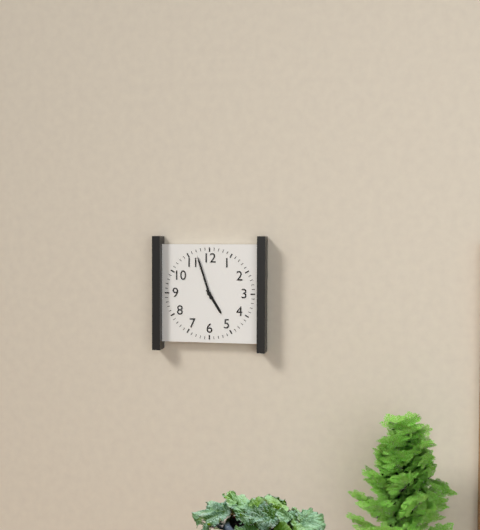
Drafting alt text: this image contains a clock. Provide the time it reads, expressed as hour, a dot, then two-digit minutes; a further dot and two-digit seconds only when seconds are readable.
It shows 4.57
